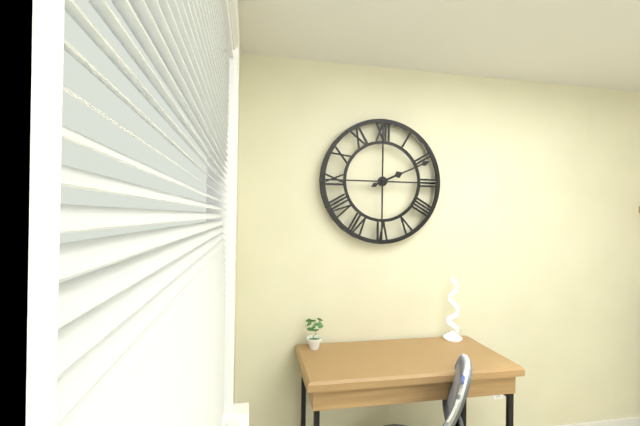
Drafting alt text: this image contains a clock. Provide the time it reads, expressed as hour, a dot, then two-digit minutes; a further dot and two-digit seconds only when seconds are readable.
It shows 2.11
